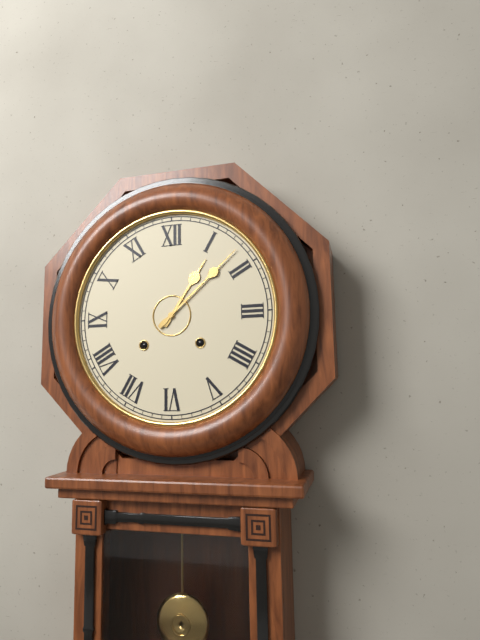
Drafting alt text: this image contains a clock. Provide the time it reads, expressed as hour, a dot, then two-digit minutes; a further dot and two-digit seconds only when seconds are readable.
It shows 1.08
